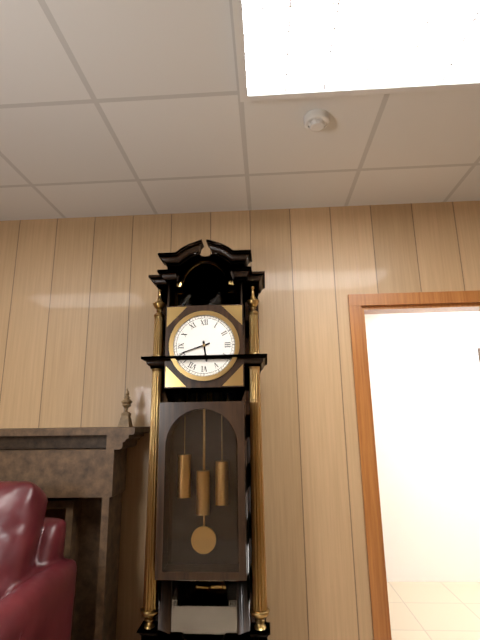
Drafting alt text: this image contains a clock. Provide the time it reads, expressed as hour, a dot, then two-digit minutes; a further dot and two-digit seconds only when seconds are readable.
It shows 5.42
